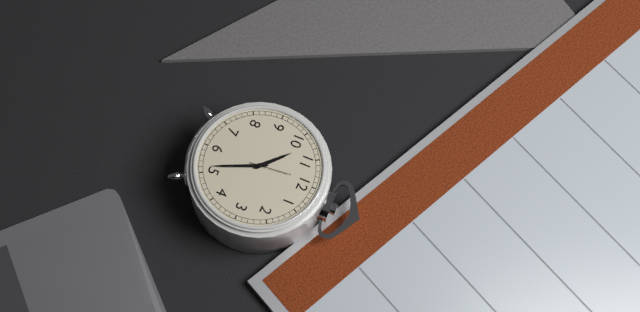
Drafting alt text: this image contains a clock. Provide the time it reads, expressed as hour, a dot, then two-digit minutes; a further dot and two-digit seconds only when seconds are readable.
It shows 10.26
